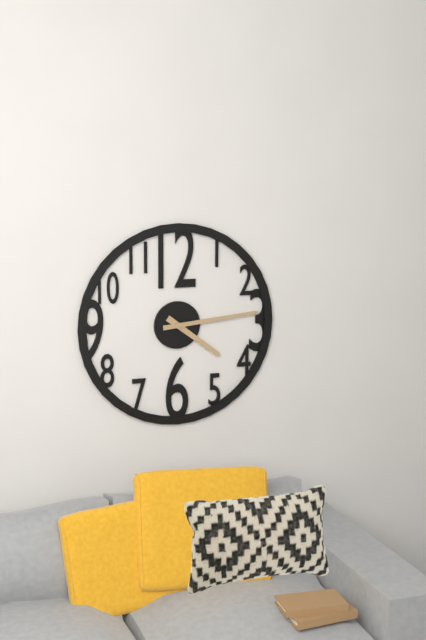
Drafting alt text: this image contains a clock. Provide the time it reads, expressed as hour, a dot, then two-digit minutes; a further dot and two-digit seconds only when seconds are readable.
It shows 4.14
